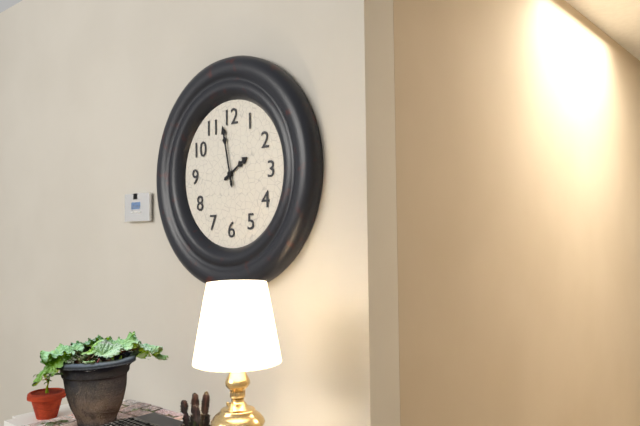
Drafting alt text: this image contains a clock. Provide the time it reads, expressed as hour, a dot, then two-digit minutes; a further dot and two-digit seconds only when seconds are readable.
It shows 1.58
